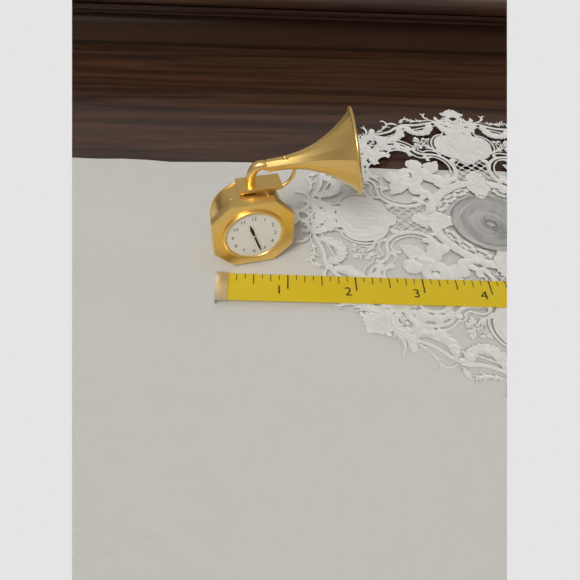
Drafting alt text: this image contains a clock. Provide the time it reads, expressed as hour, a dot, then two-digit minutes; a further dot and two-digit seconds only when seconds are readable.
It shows 11.27
